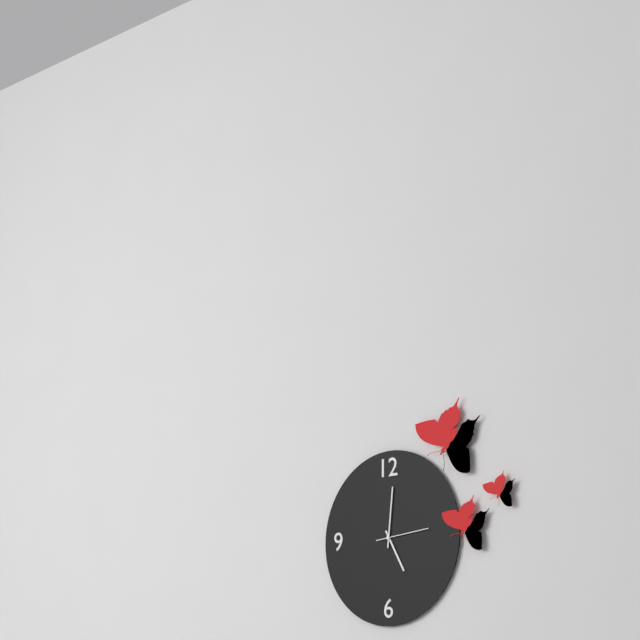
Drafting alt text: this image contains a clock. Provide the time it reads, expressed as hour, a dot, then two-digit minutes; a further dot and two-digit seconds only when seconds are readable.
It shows 5.01.14
